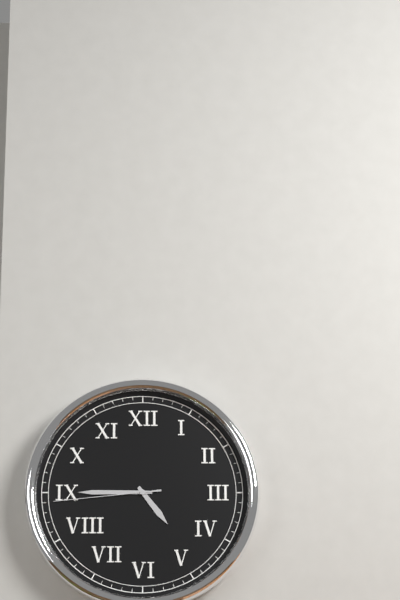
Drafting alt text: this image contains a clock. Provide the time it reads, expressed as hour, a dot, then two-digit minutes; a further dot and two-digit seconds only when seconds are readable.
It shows 4.45.44
